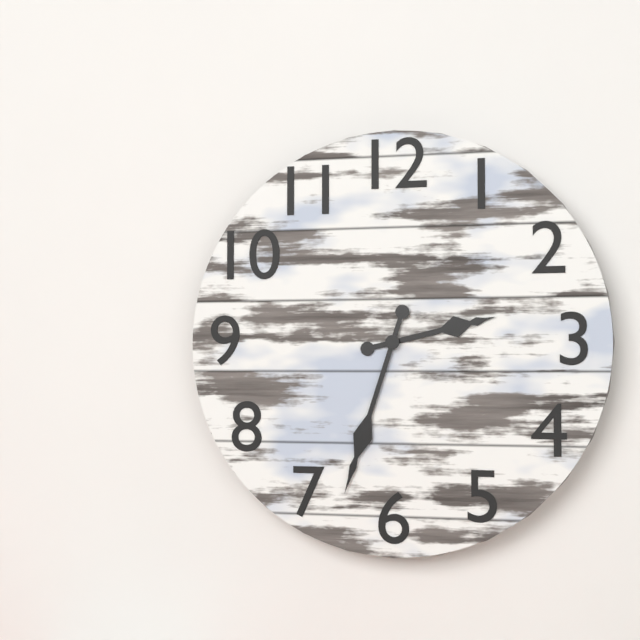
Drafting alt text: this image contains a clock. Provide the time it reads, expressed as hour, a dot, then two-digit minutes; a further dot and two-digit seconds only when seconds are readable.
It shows 2.33
